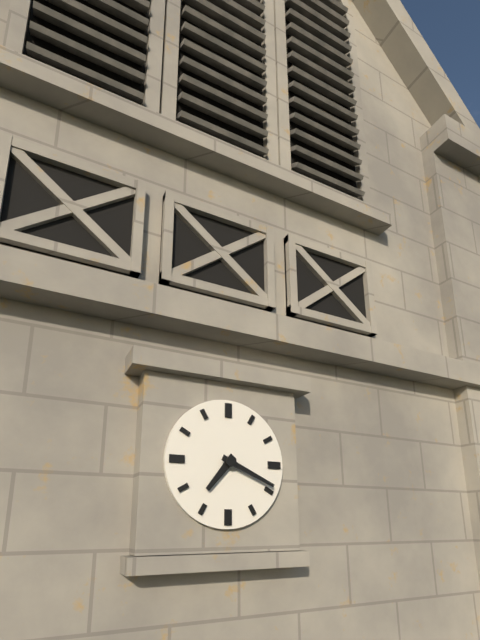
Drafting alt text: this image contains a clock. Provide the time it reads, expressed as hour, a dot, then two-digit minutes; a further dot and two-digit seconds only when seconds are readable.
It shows 7.19
